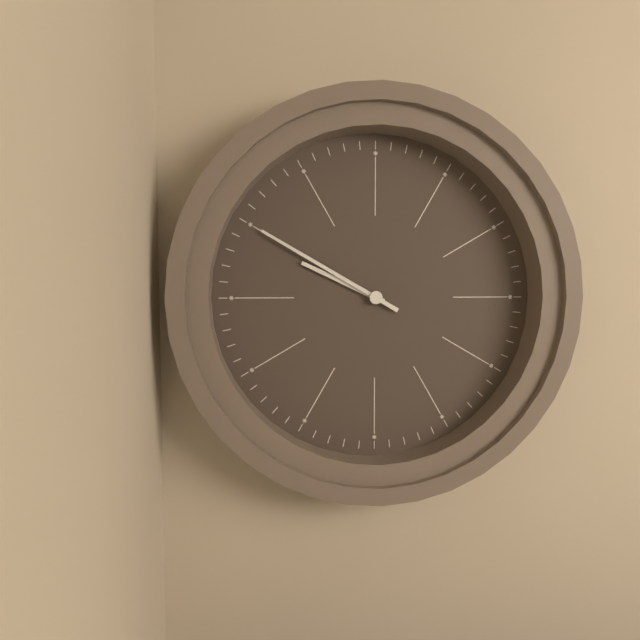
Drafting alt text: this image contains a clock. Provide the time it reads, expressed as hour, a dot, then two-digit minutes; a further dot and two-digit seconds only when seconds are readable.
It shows 9.50
